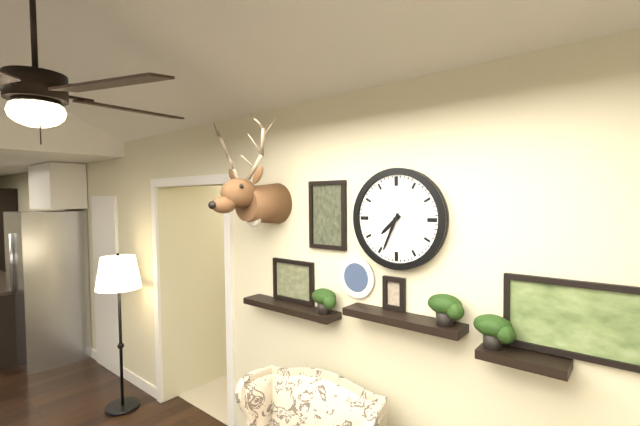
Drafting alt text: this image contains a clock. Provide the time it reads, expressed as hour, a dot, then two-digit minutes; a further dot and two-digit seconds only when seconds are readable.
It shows 7.34
